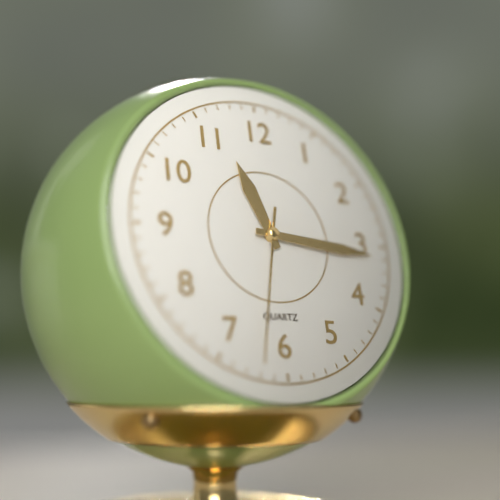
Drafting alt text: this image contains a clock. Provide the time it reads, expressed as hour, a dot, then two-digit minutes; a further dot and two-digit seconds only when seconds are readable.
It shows 11.16.32
